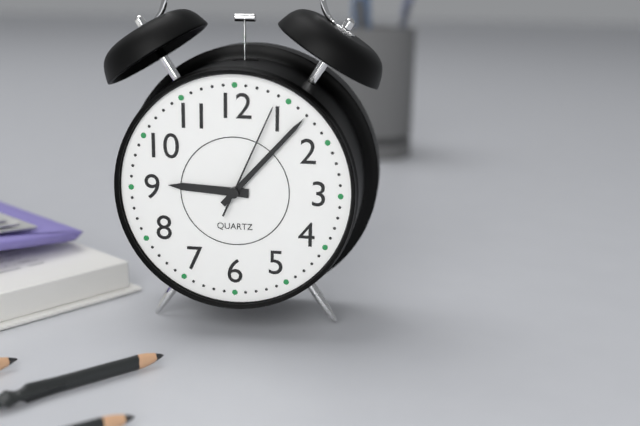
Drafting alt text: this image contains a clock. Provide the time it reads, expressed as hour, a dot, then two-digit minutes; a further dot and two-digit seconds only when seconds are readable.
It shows 9.07.04
